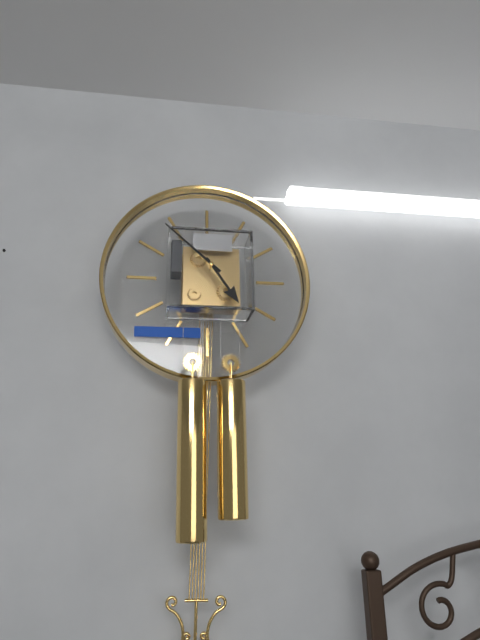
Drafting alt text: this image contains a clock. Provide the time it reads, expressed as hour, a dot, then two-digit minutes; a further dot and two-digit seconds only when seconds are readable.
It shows 4.52
